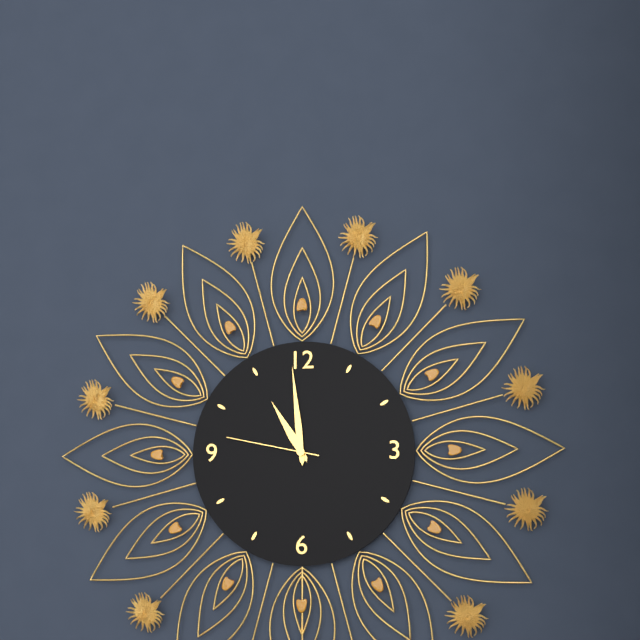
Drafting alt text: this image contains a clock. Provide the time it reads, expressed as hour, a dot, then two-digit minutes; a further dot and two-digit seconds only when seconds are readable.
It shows 10.59.47
